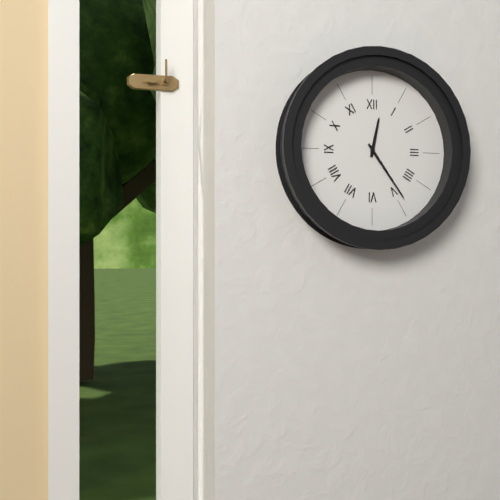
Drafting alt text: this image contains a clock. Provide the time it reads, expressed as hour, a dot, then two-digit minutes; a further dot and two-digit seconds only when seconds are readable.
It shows 12.24
